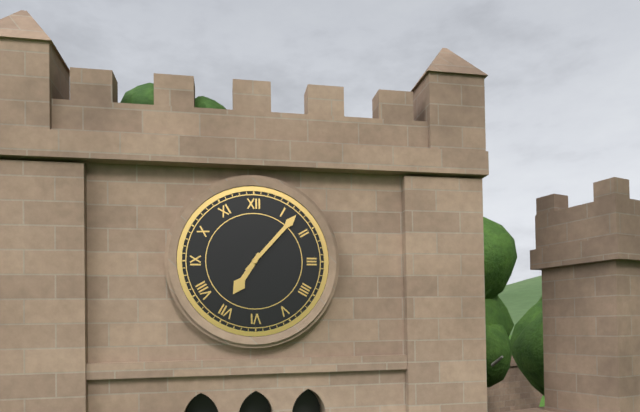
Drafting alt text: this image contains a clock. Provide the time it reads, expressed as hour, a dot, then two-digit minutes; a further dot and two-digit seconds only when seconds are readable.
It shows 7.07
